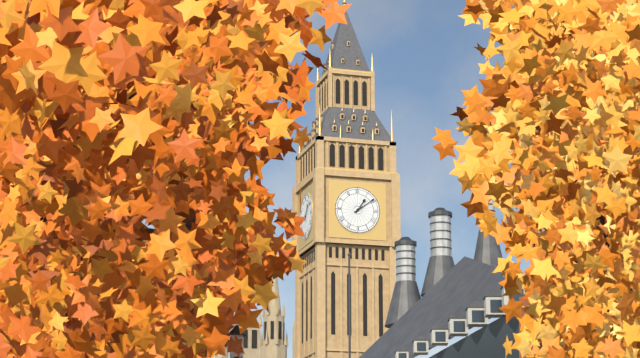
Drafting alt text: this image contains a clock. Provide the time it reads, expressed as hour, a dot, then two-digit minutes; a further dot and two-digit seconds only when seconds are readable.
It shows 1.09
